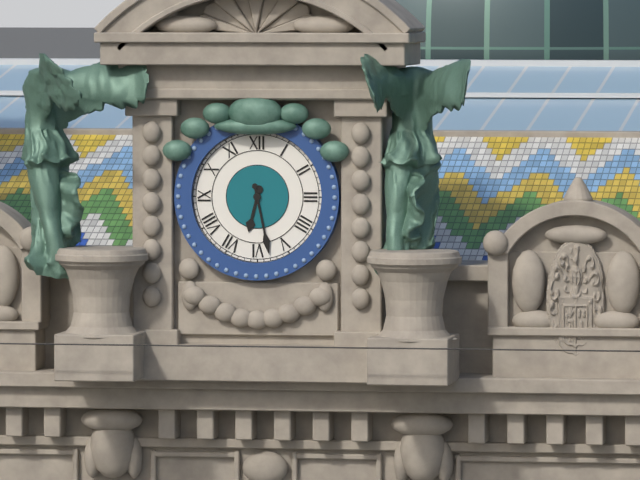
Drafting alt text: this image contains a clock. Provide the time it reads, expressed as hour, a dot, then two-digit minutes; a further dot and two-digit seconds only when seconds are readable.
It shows 6.28
